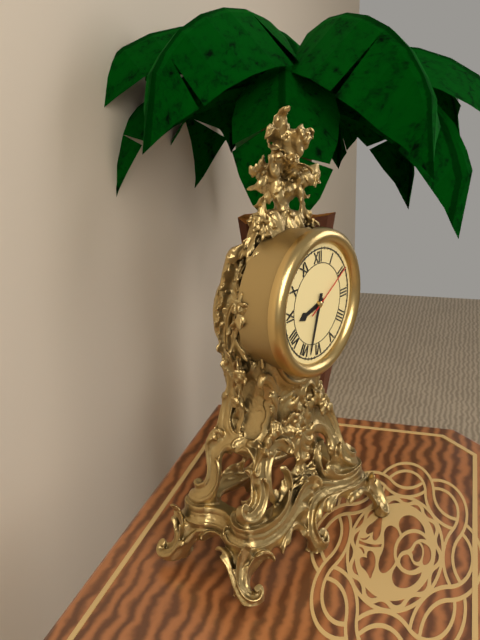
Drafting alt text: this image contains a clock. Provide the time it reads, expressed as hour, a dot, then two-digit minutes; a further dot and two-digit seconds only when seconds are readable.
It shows 8.33.10
